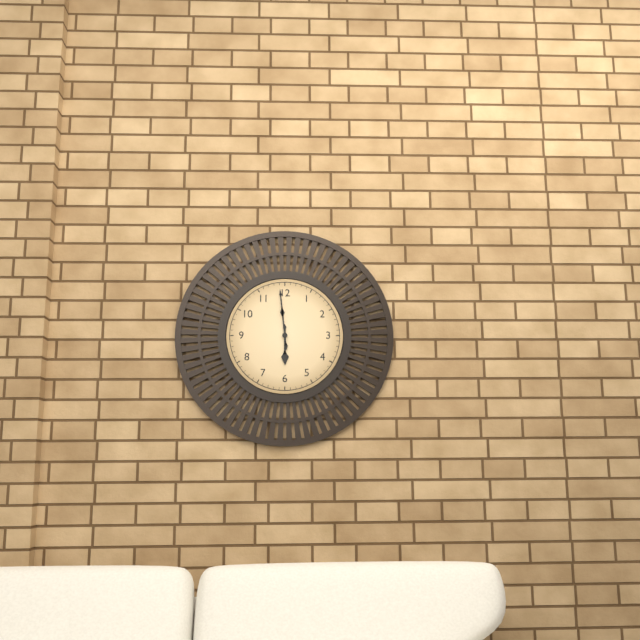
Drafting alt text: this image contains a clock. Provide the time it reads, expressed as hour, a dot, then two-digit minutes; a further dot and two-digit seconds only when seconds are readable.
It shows 5.59
